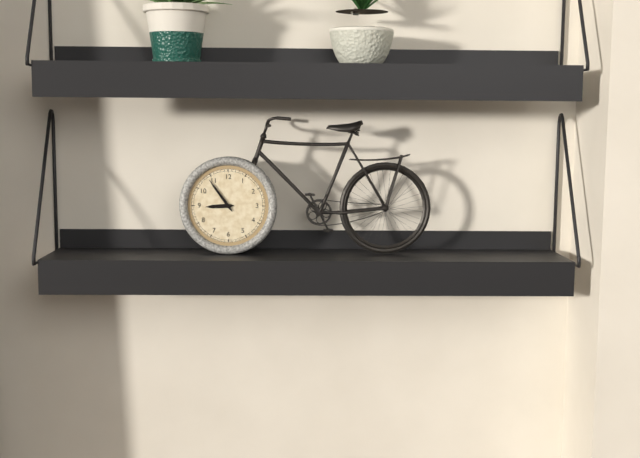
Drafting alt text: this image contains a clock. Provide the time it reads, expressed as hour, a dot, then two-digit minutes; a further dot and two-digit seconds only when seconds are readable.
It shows 8.54
